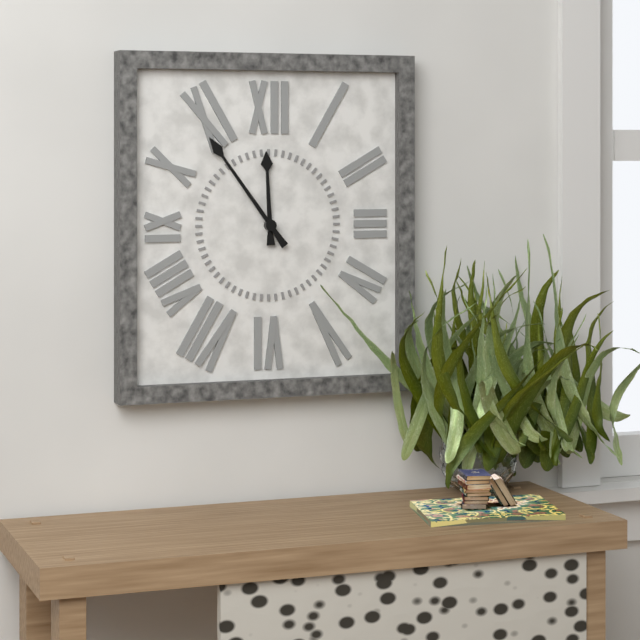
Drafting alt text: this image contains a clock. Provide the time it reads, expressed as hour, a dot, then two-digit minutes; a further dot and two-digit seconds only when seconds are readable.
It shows 11.54
